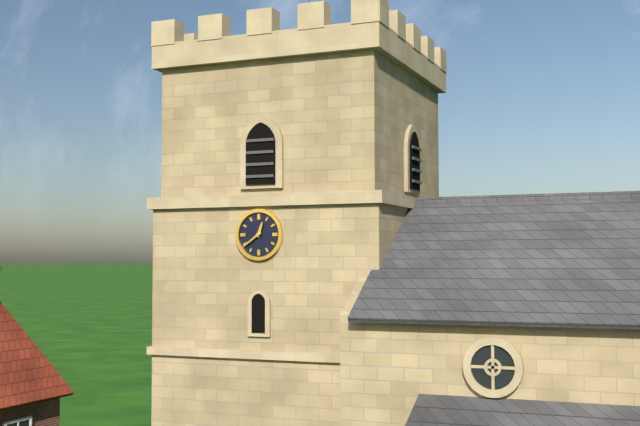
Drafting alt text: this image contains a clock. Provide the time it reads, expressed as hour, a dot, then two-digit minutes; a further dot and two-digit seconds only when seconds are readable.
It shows 12.39
